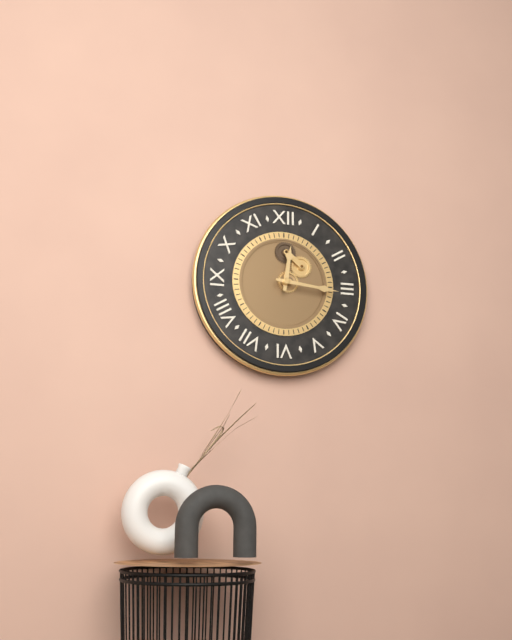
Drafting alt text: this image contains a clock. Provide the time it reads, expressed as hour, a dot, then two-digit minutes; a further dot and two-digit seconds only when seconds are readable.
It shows 12.16
